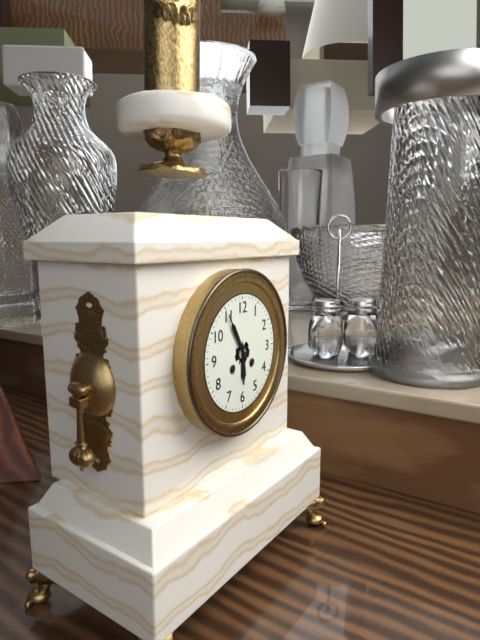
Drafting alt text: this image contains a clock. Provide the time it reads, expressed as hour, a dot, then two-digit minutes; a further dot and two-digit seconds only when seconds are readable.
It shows 5.55
